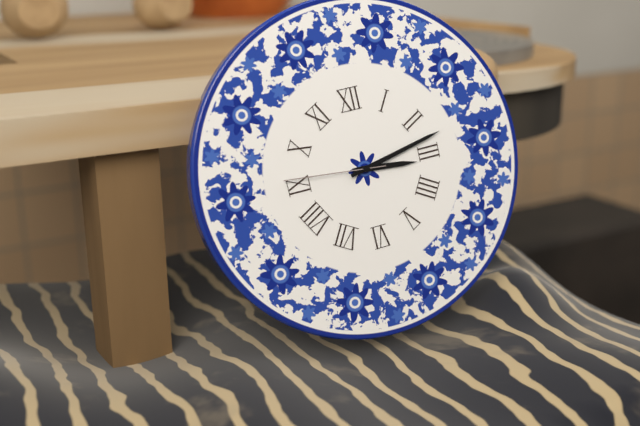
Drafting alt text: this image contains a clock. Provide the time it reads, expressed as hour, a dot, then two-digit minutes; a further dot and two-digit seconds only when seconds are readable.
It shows 3.13.46
